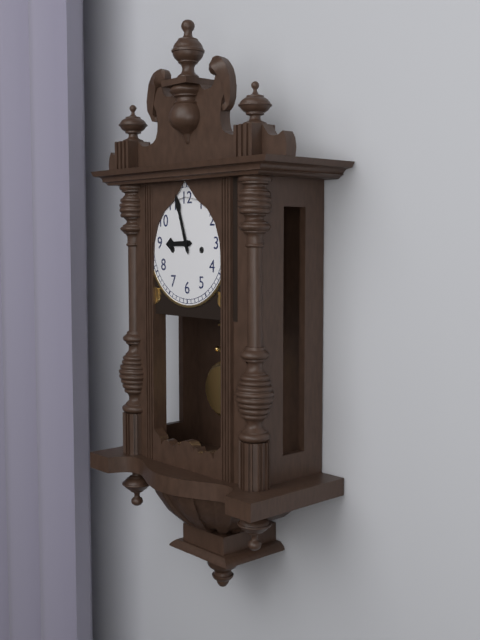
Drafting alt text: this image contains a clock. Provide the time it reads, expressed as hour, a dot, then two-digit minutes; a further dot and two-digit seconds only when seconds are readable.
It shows 8.57
